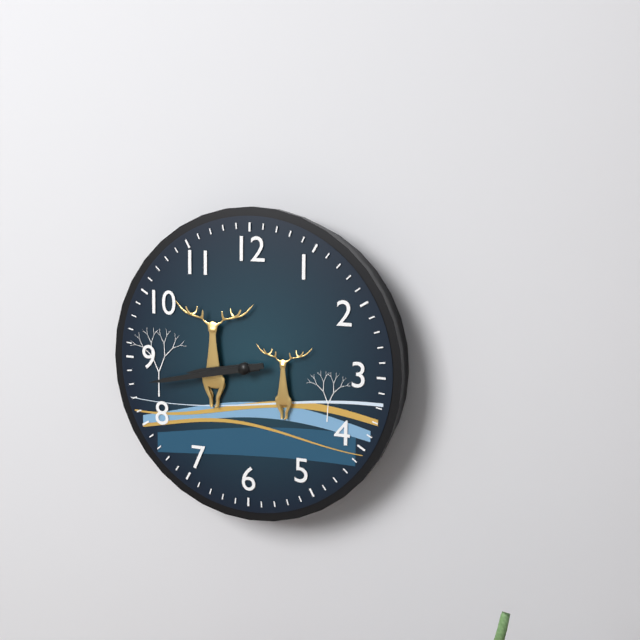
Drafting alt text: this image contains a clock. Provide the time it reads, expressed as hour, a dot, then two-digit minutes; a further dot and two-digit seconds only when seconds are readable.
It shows 8.43
